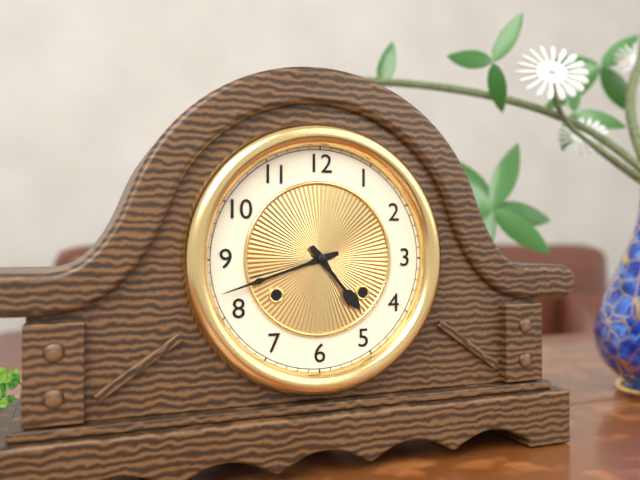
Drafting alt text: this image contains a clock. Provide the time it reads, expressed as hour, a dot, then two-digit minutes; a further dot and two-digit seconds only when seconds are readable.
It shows 4.42
